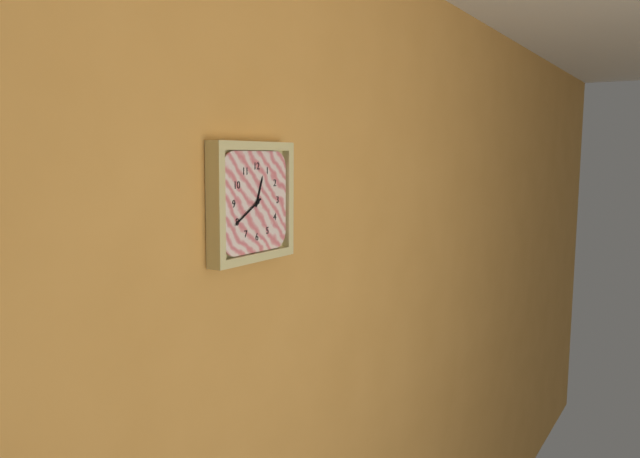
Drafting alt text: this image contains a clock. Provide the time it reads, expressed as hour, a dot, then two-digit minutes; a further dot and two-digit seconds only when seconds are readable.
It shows 12.40
